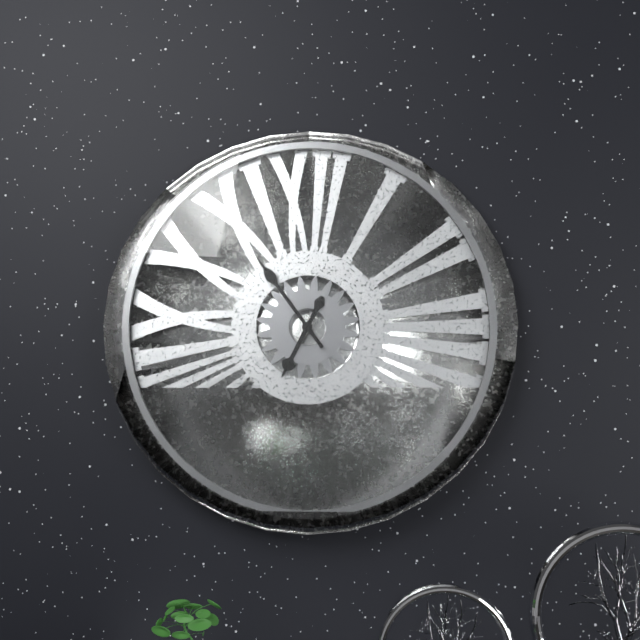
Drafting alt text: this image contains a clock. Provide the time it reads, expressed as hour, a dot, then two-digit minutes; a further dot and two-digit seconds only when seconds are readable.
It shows 6.54
